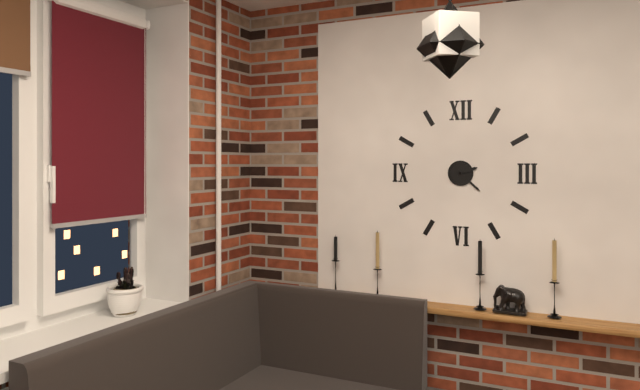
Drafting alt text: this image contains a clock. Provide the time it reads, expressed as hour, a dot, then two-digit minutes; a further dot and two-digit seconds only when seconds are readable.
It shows 2.22
